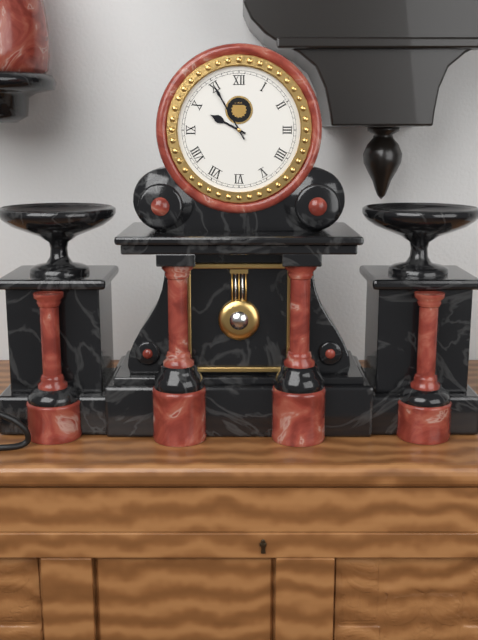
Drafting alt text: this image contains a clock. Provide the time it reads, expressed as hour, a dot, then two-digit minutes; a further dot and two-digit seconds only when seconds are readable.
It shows 9.55
